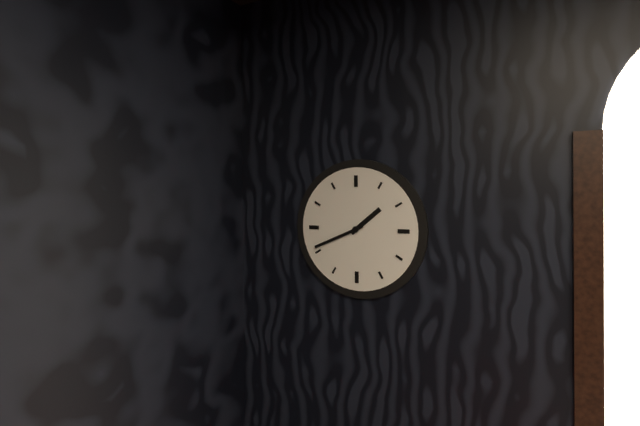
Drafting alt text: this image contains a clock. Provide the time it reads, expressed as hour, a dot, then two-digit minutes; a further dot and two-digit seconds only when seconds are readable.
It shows 1.41
